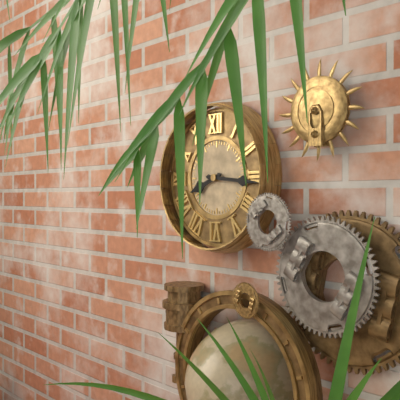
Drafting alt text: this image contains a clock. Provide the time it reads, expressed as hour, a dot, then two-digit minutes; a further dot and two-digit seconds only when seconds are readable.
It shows 8.16
